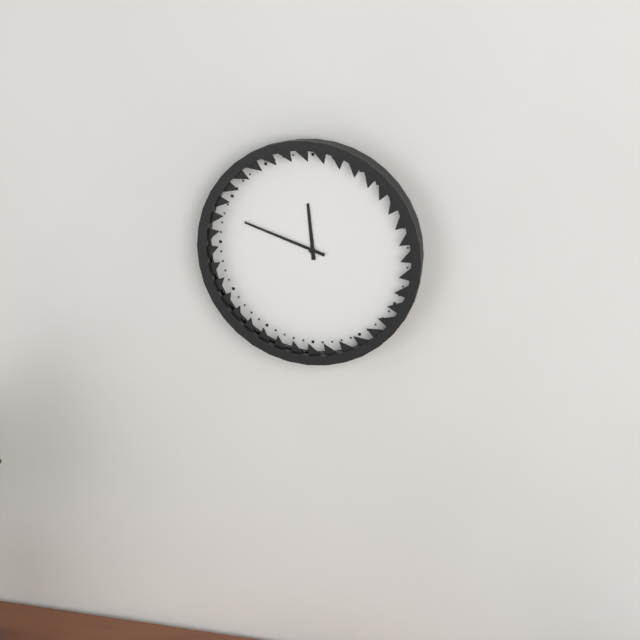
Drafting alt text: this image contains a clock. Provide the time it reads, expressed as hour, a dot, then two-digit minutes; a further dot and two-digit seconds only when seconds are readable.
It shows 11.48
